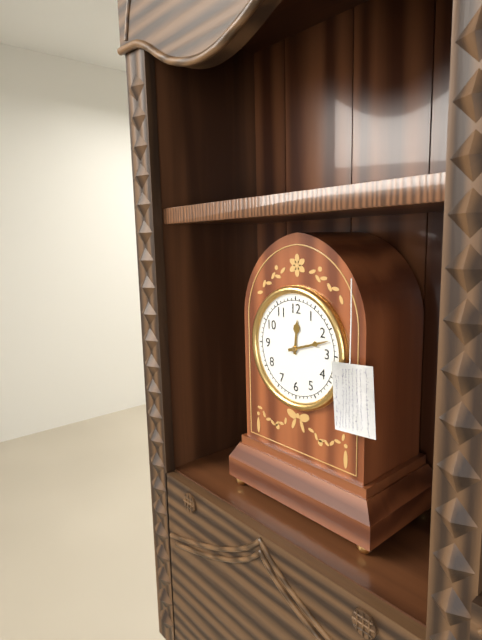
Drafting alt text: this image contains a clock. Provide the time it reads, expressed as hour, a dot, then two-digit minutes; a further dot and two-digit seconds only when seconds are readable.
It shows 12.12
